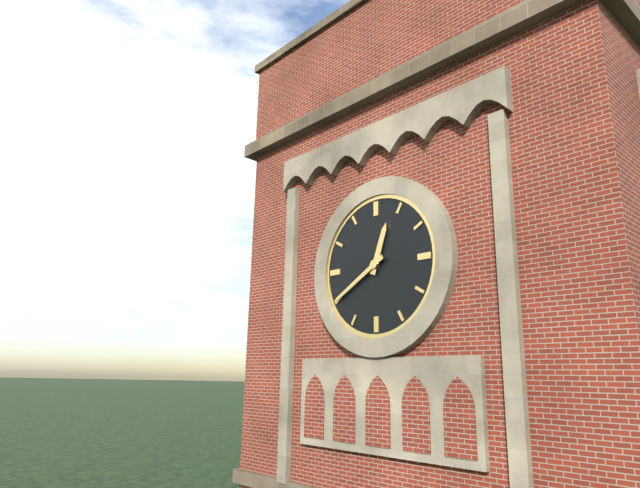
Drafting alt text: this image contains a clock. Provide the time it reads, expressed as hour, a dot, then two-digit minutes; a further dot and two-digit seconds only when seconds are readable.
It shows 12.40
